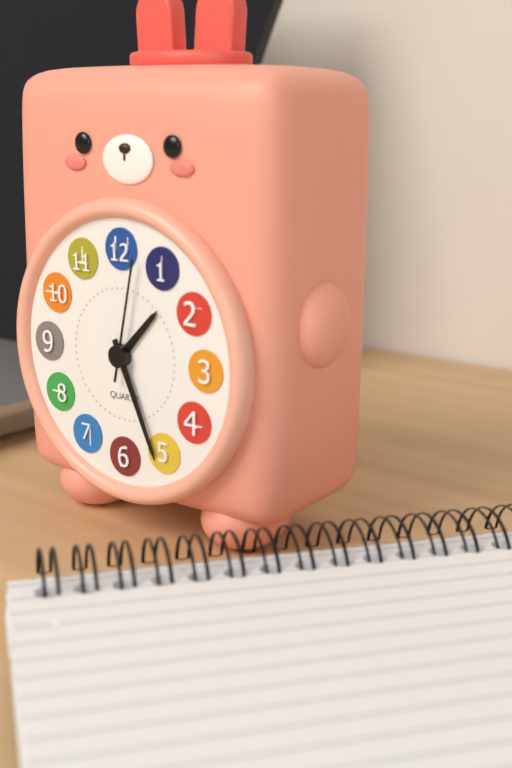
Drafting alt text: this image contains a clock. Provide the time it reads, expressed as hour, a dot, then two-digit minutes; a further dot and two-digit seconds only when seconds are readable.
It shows 1.26.02
